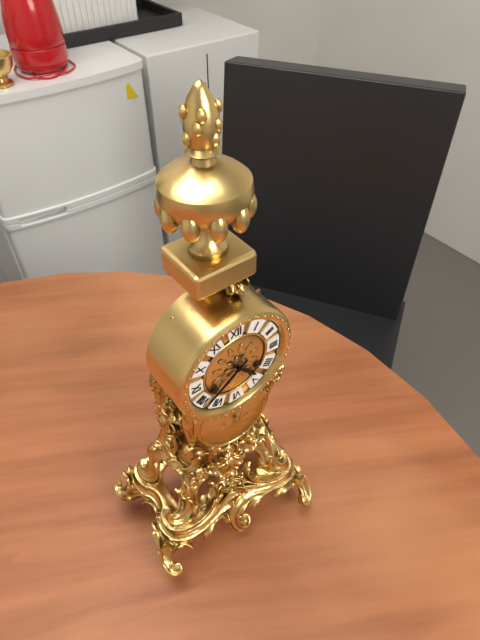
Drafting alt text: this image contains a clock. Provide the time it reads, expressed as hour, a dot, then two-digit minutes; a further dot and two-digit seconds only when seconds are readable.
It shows 4.39
